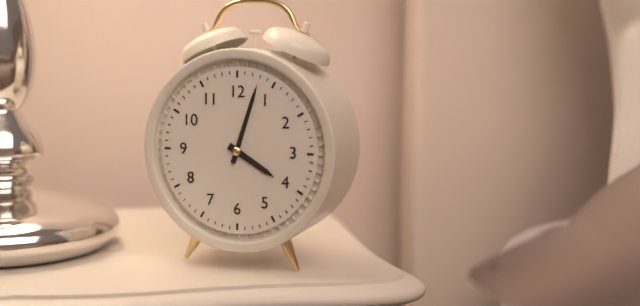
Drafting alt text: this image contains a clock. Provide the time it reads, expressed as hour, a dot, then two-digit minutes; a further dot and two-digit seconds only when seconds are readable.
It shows 4.03
